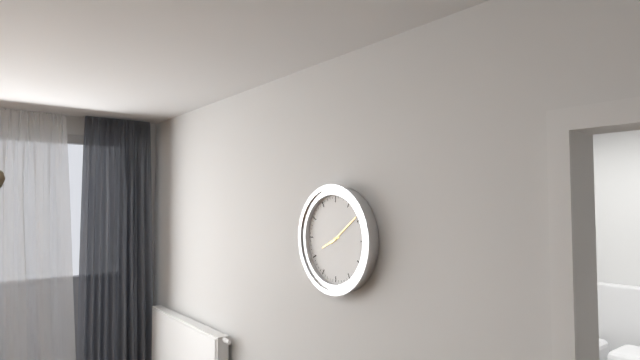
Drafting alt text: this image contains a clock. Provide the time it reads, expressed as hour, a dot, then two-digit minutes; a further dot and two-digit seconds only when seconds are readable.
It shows 8.09
